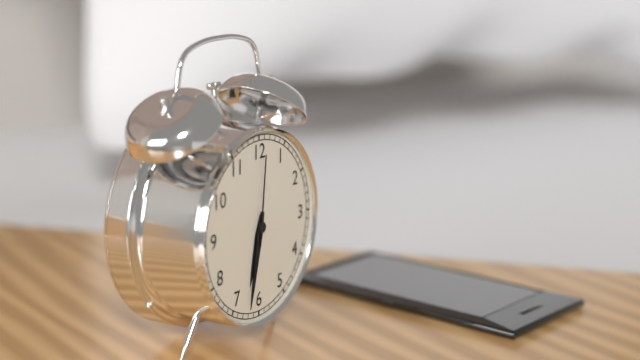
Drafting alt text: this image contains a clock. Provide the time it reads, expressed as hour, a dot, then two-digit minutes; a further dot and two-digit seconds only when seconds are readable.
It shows 6.32.01
